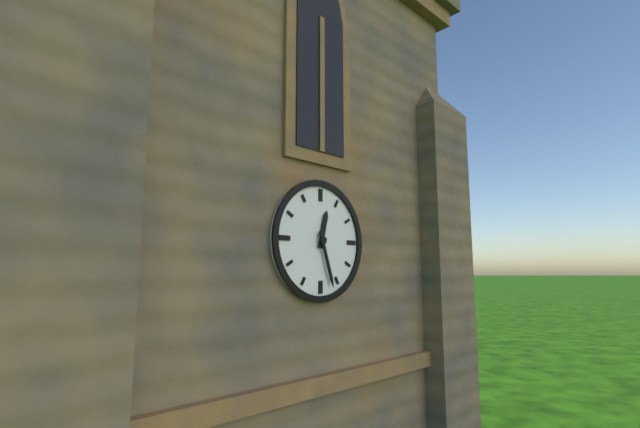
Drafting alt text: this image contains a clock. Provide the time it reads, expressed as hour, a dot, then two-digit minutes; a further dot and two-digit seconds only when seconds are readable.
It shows 12.27
